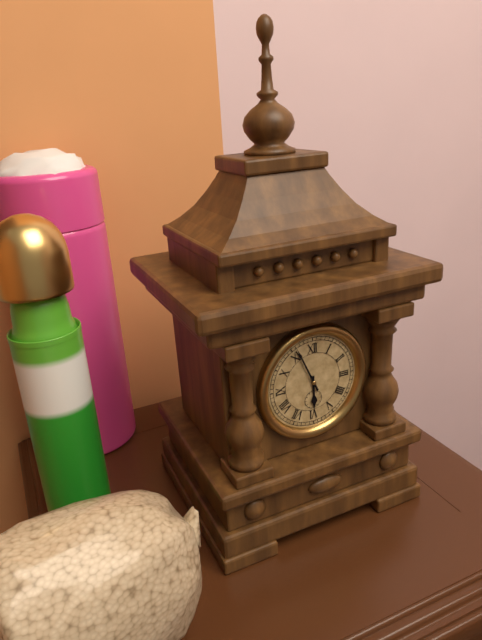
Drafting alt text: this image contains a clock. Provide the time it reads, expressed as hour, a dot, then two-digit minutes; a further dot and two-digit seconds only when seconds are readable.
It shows 5.56
